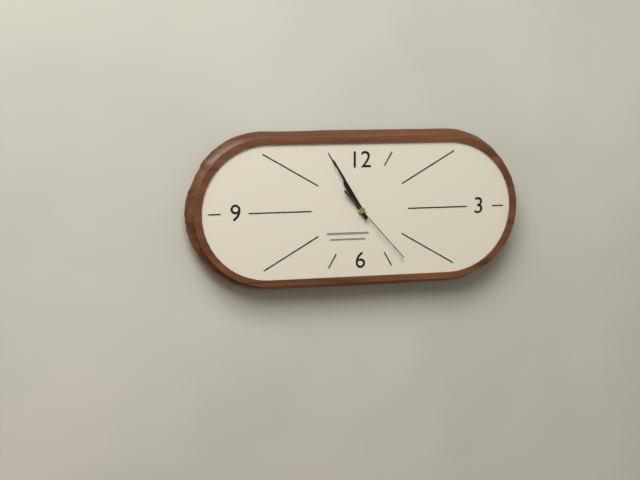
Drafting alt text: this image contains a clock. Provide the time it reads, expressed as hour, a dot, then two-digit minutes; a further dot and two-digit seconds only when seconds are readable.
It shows 10.55.23
